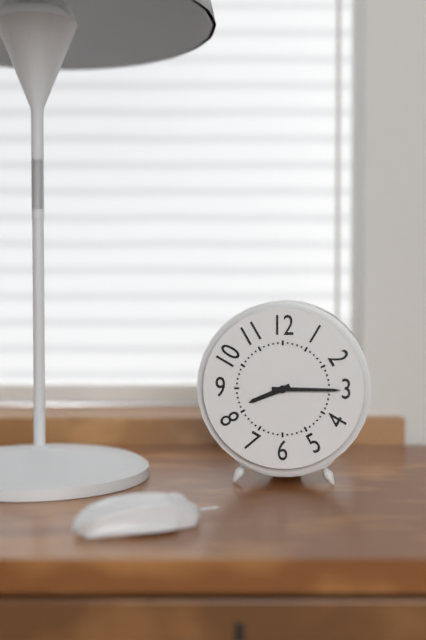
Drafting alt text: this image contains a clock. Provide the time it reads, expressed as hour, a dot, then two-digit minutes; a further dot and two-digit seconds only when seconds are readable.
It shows 8.15
